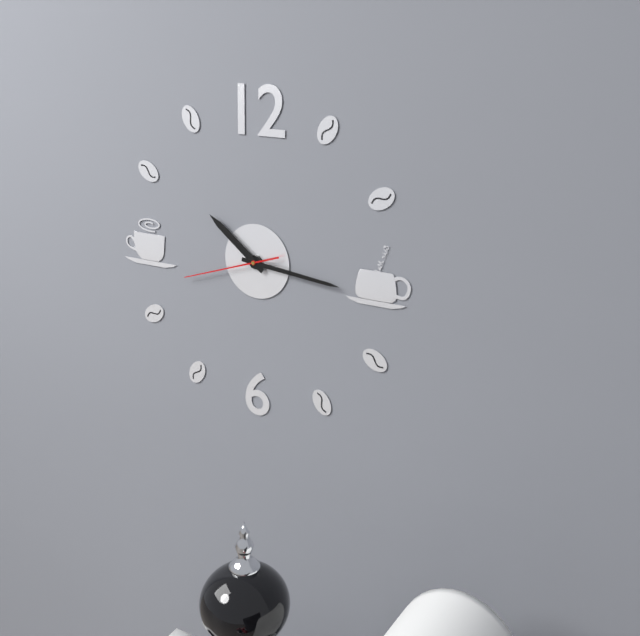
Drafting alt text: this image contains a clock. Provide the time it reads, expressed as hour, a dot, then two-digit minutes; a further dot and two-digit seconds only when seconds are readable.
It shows 10.16.42
